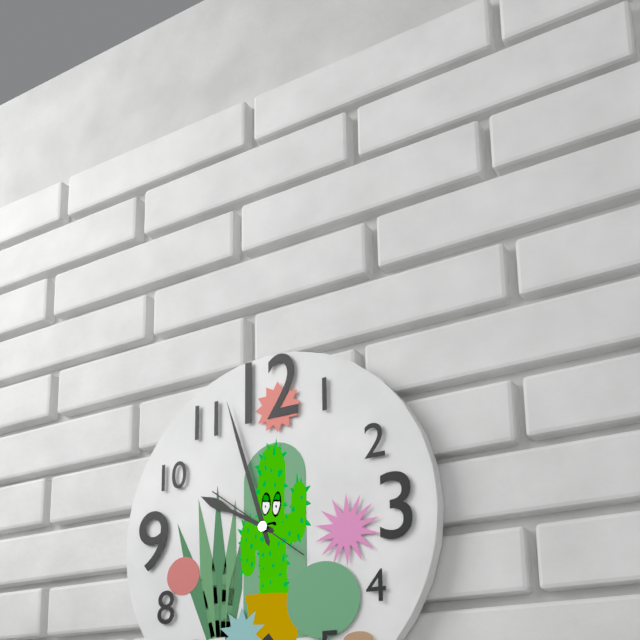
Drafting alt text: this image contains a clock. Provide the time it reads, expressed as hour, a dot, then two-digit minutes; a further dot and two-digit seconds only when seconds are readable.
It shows 9.57.51
